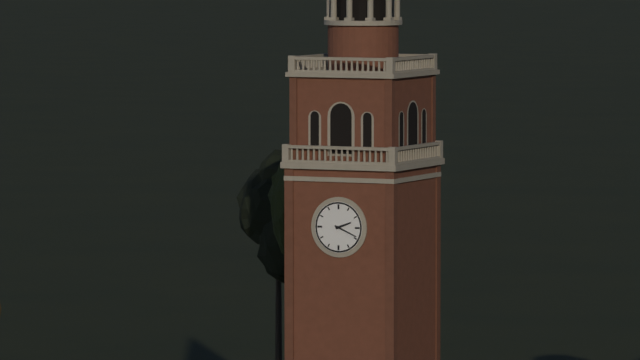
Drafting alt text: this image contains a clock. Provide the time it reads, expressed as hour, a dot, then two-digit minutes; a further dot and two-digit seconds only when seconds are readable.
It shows 2.19
